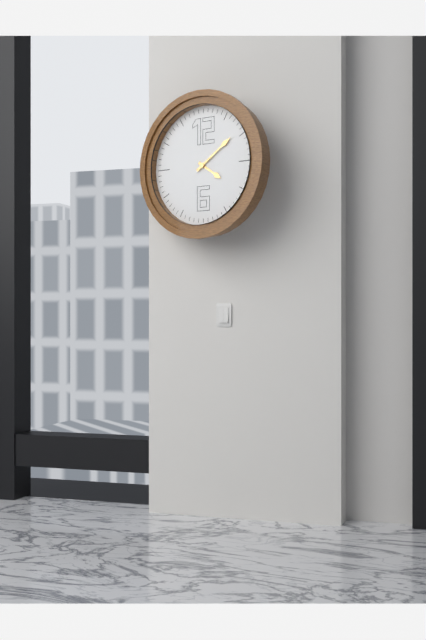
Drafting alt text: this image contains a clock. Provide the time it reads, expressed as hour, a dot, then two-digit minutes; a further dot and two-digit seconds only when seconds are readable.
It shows 4.09
